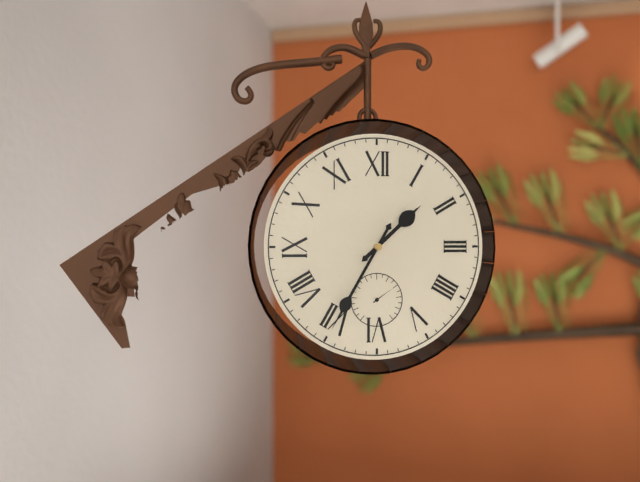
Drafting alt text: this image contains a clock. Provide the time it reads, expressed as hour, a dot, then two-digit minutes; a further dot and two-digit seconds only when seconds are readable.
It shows 1.35
